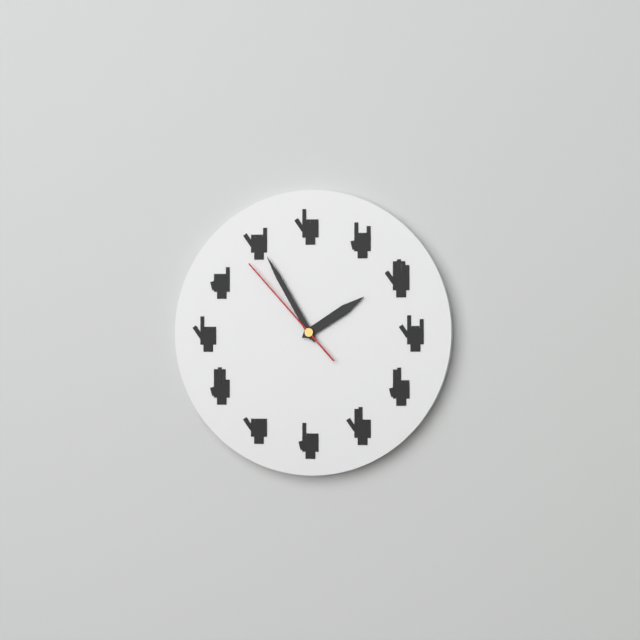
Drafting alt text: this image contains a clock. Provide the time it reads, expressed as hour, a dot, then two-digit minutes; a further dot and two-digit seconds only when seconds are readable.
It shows 1.55.53
